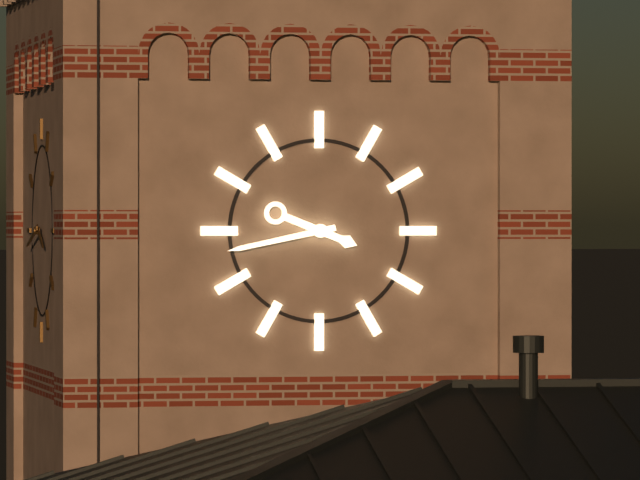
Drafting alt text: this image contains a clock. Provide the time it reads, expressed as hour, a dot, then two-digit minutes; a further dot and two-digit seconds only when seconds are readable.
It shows 3.43
